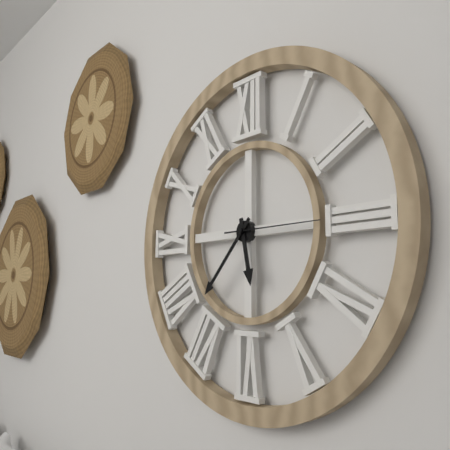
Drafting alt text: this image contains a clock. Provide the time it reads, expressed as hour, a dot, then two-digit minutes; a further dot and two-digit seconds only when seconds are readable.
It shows 5.37.15
